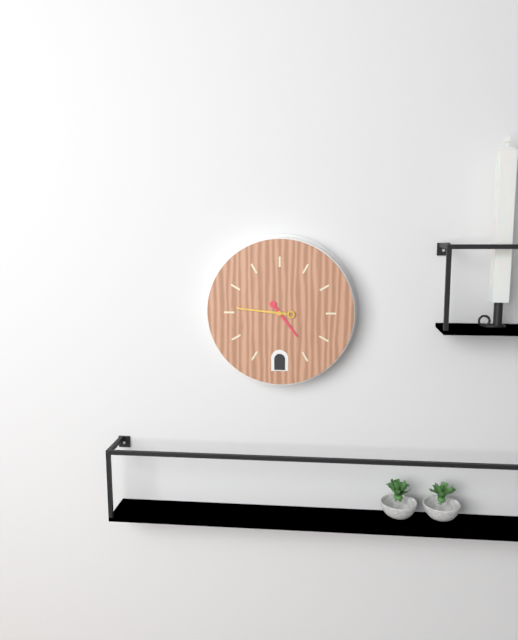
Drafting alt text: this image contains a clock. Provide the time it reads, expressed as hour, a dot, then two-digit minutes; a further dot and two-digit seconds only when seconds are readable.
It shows 4.46
